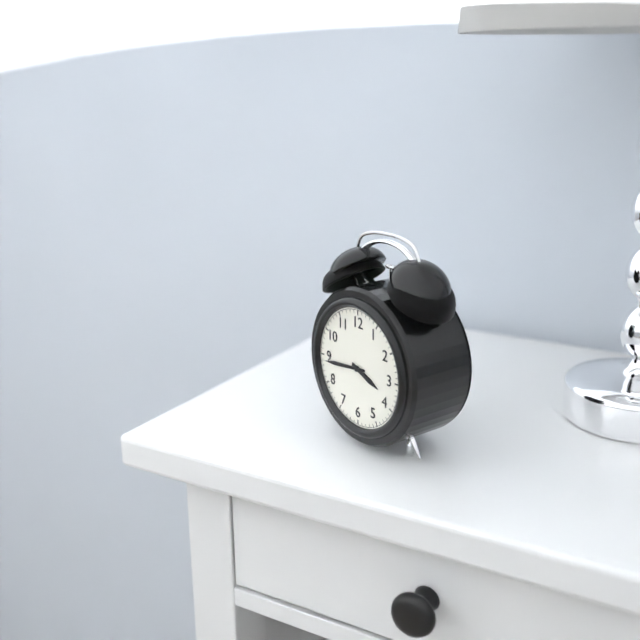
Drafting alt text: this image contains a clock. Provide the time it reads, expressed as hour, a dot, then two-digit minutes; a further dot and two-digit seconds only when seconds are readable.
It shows 3.44
